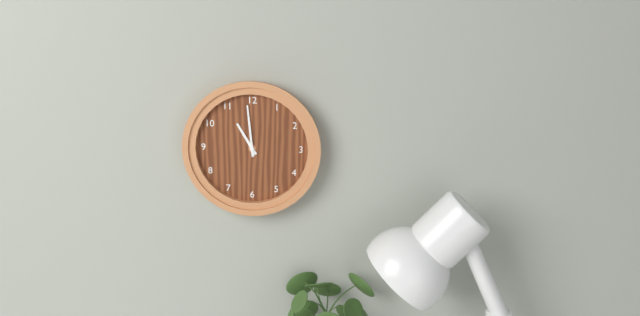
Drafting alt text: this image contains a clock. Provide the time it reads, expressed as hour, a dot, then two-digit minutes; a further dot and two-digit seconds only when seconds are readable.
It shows 10.59
